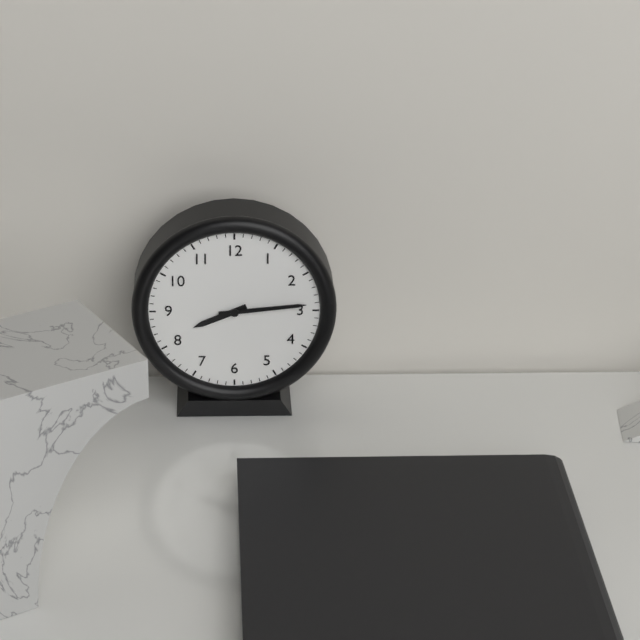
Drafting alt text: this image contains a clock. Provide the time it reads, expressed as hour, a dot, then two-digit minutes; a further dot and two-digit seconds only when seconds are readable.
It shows 8.14
